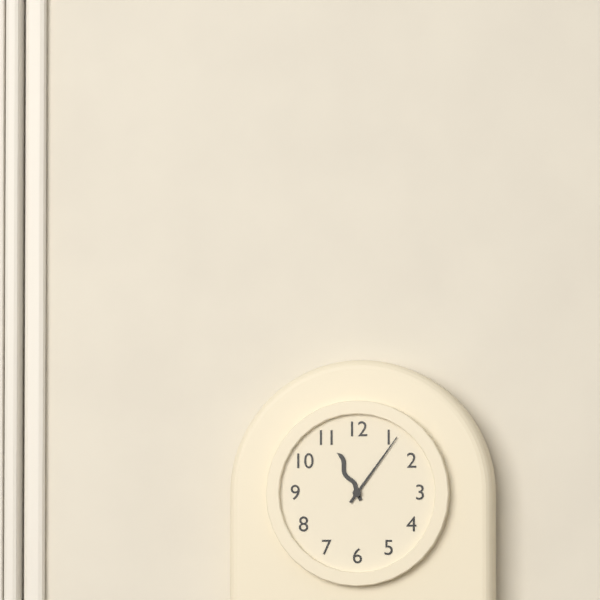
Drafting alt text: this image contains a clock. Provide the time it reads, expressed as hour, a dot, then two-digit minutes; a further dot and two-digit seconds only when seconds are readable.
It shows 11.06
